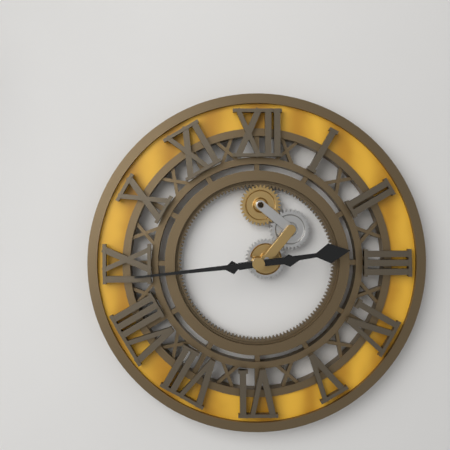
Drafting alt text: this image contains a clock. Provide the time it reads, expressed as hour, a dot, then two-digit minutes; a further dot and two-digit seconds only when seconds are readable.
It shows 2.44
